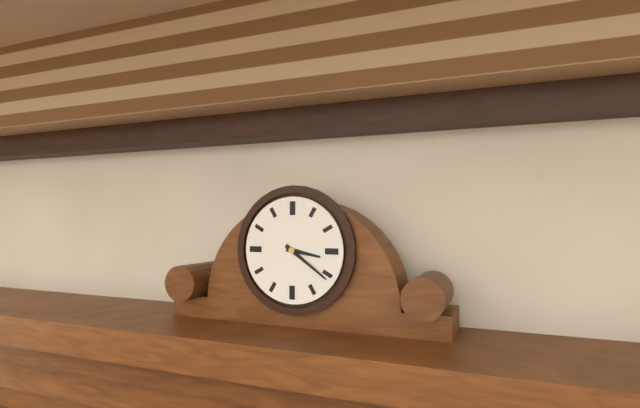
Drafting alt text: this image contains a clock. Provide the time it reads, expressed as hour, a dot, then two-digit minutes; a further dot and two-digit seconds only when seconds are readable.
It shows 3.21
